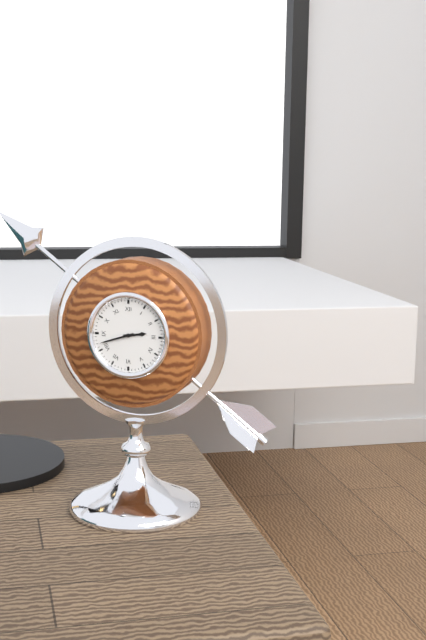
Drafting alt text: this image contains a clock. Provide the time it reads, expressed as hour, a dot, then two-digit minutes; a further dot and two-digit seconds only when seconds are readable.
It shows 2.42
